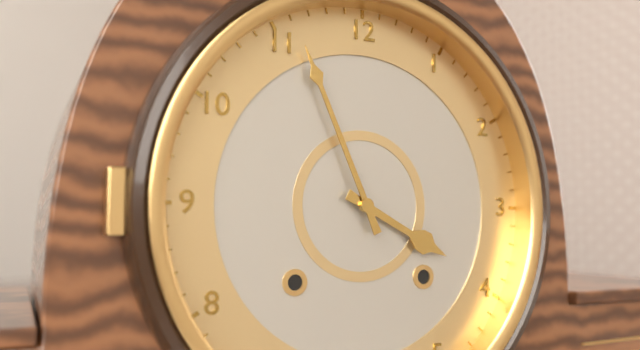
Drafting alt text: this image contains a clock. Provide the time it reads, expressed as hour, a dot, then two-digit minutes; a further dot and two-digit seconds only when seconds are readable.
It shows 3.56
